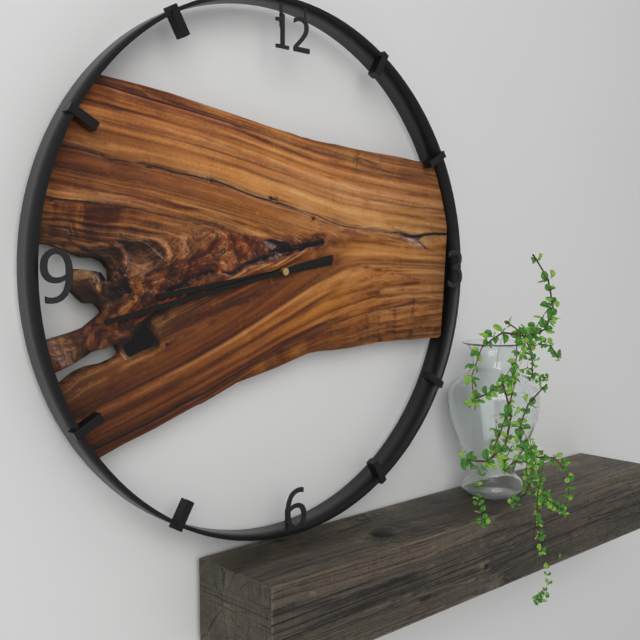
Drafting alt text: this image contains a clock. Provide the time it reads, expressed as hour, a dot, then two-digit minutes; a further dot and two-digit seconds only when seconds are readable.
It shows 8.43
